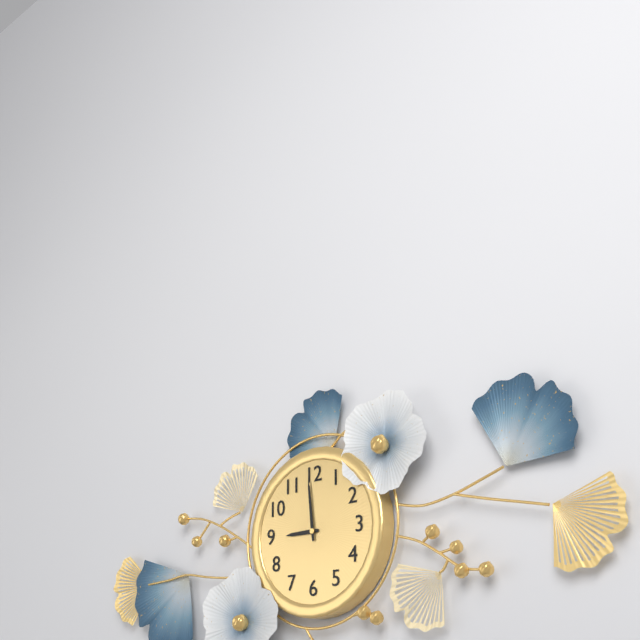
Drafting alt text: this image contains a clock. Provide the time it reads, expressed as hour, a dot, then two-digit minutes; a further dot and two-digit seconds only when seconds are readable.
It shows 8.59
